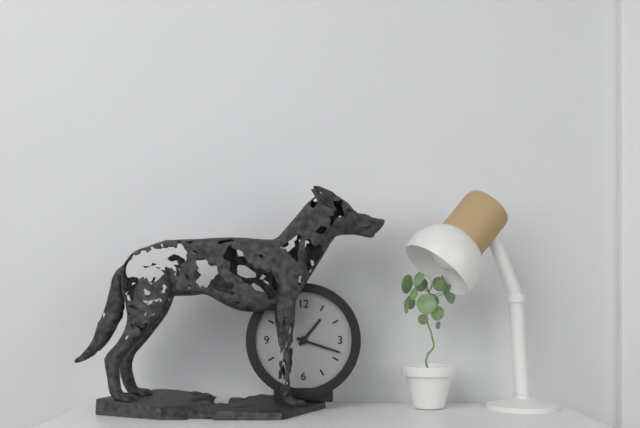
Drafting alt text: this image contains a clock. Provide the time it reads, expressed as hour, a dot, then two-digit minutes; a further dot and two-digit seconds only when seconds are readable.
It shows 1.18
